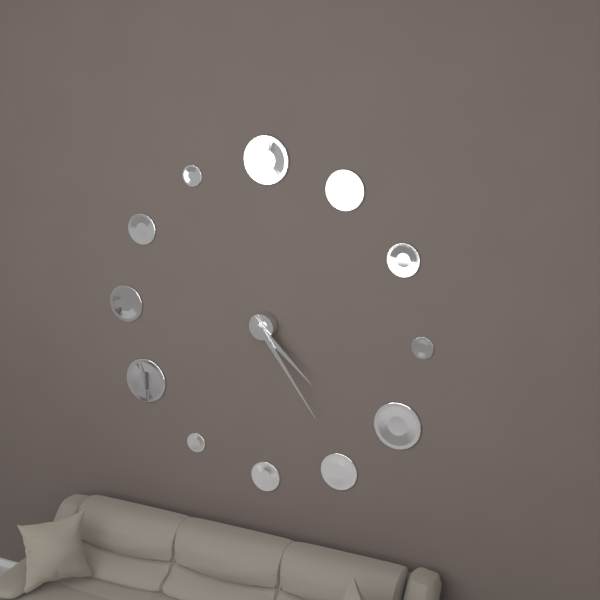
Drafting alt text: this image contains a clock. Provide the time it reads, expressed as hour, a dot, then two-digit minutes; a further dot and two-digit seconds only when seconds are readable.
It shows 4.24
